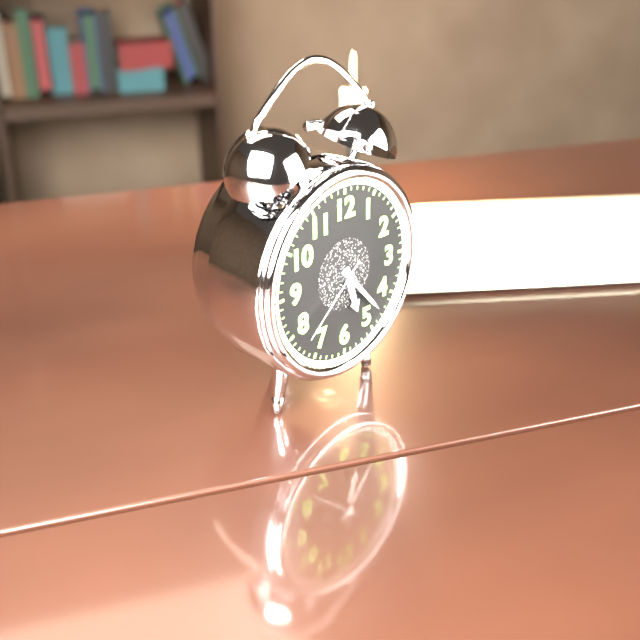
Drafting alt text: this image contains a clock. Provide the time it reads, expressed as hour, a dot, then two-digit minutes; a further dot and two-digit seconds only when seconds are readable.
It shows 5.23.38
